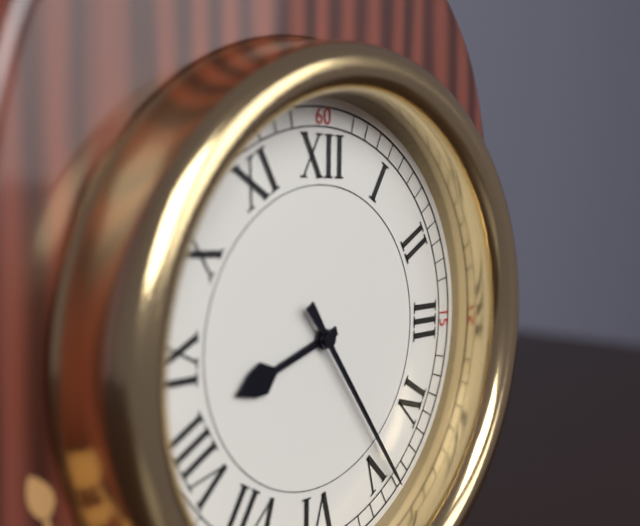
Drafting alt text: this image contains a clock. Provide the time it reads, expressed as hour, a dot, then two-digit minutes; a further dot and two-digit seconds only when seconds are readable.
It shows 8.24
